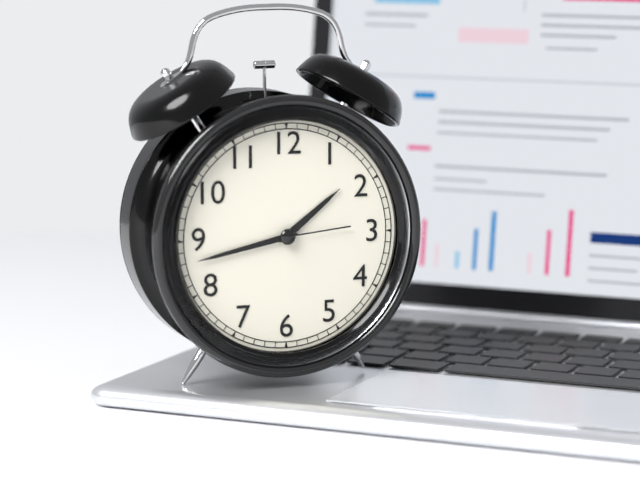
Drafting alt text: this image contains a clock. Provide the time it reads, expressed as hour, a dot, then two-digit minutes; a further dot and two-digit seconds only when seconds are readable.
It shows 1.43.14
